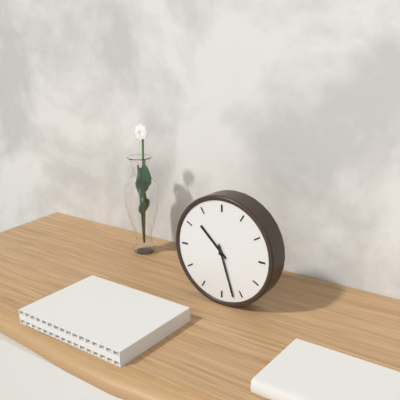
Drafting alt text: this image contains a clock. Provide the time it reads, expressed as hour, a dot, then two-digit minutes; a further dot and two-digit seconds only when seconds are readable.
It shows 10.27
